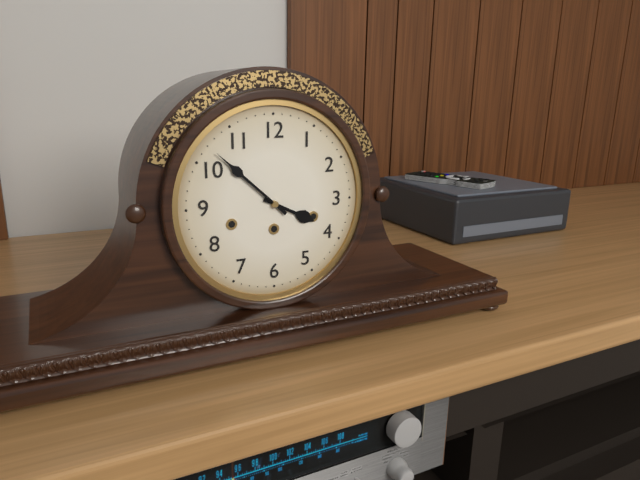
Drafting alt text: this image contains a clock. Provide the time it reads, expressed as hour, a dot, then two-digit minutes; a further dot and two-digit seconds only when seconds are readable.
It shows 3.52
